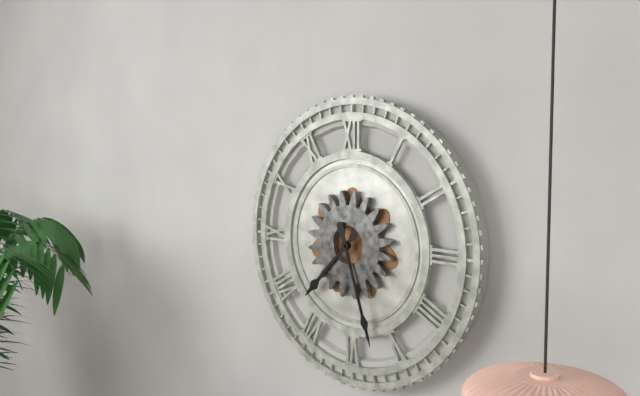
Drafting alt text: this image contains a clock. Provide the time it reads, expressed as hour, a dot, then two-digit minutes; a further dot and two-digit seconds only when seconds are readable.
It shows 7.27
